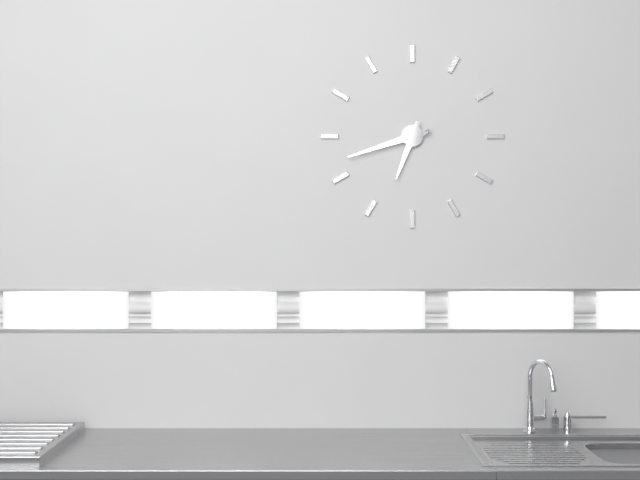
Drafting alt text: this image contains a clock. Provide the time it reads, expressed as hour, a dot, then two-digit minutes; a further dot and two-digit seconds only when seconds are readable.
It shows 6.42
